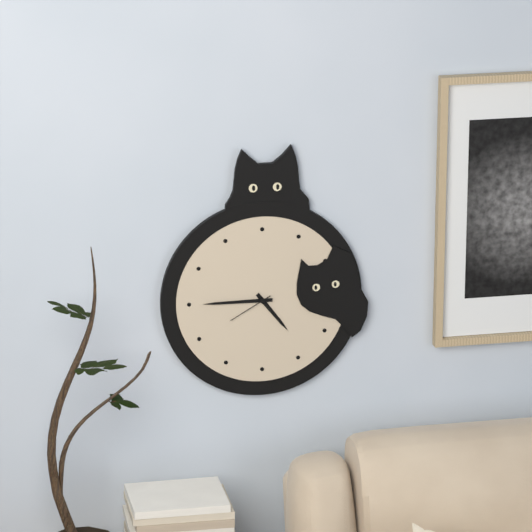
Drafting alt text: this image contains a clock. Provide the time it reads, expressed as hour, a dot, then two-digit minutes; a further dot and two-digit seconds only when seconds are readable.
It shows 4.45
